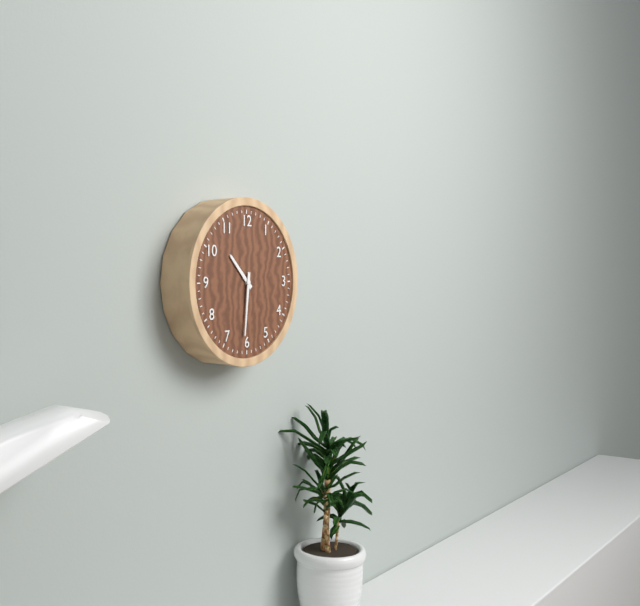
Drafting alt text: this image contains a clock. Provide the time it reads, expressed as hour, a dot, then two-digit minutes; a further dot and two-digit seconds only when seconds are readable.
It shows 10.31
